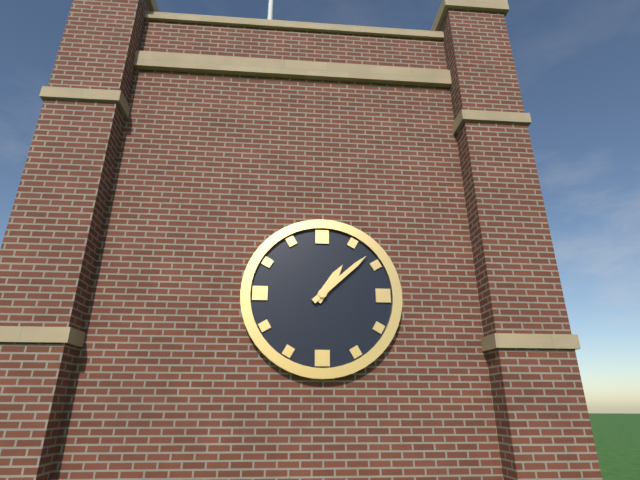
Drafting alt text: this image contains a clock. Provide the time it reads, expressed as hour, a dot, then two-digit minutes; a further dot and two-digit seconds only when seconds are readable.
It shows 1.08
